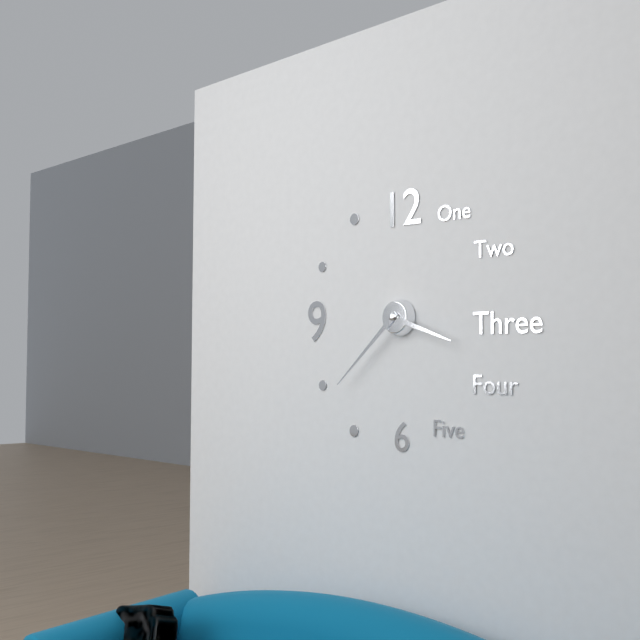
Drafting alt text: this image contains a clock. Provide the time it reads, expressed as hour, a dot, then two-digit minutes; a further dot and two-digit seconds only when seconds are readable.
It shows 3.38
